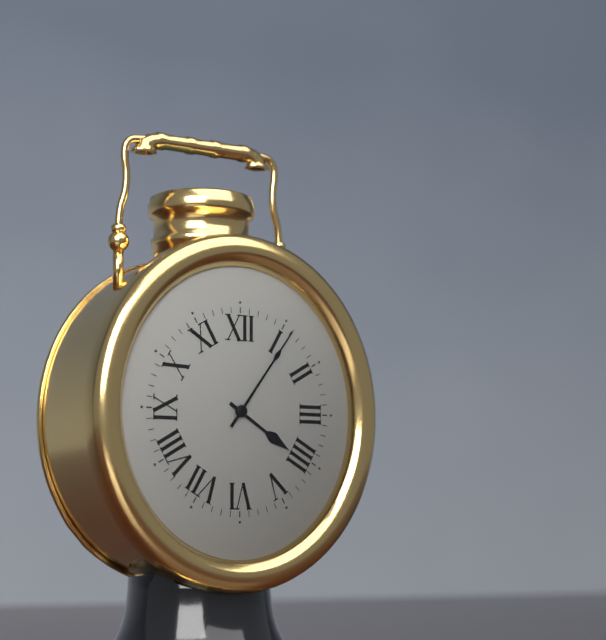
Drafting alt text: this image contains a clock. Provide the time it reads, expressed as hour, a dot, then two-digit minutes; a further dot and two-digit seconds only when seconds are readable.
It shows 4.06
